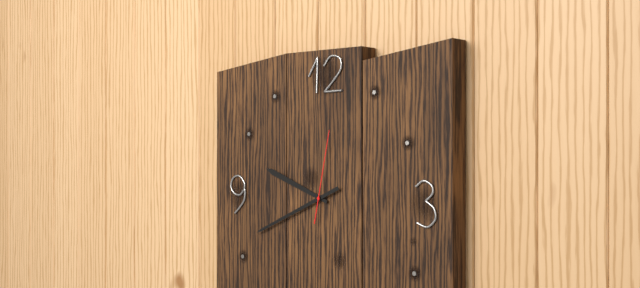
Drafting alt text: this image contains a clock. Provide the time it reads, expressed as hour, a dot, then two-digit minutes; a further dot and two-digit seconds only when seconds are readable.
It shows 9.41.02
